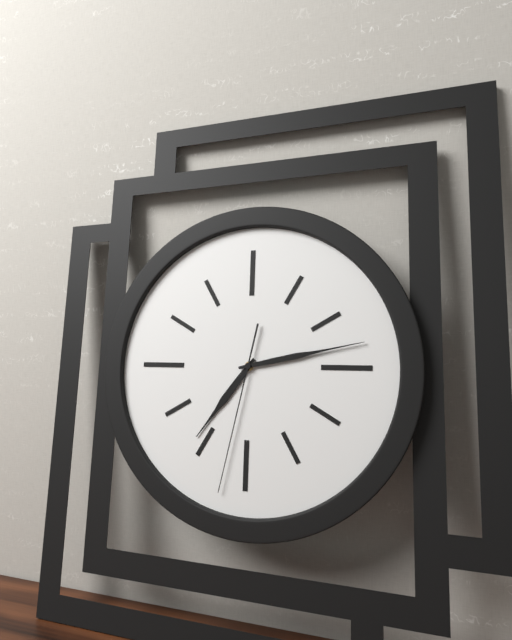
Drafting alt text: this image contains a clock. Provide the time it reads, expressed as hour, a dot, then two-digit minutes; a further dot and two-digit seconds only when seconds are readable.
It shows 7.13.32
